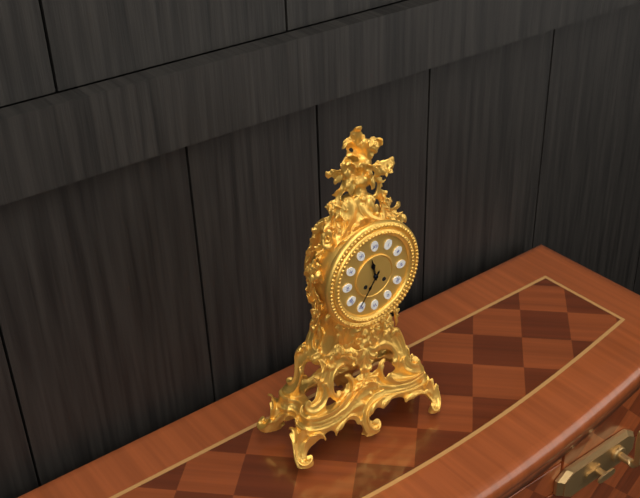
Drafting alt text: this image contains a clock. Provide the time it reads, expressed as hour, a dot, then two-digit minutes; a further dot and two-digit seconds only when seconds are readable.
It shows 11.36
